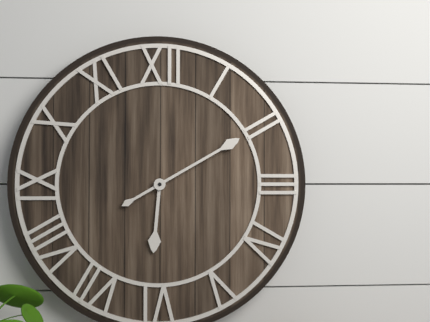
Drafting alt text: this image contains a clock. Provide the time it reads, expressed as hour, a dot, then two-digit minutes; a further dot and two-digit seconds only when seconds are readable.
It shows 6.10
